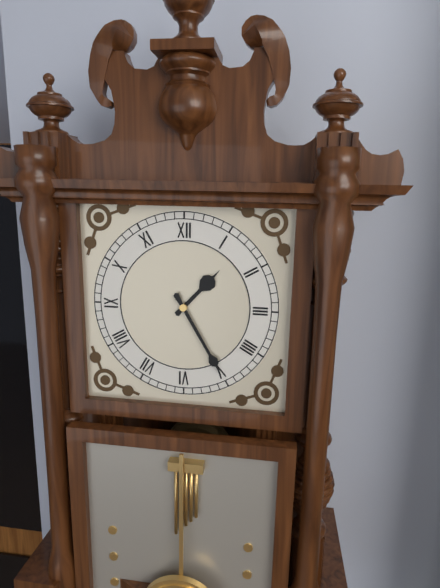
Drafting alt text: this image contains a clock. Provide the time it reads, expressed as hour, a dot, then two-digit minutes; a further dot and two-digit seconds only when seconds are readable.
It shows 1.25
